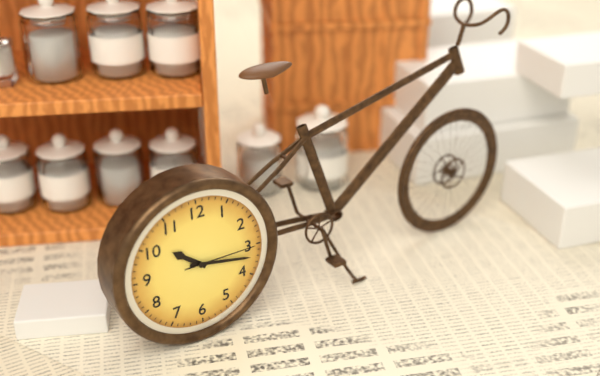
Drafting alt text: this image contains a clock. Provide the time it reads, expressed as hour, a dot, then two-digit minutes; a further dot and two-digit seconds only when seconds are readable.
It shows 10.17.15
